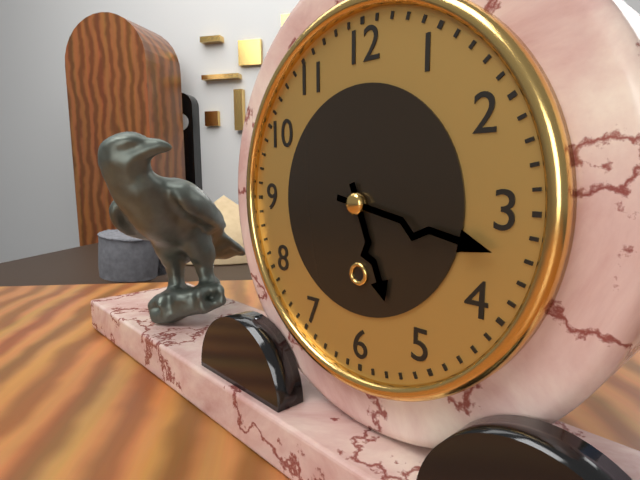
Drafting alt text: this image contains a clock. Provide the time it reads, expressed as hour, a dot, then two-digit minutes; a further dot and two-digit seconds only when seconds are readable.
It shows 5.17
